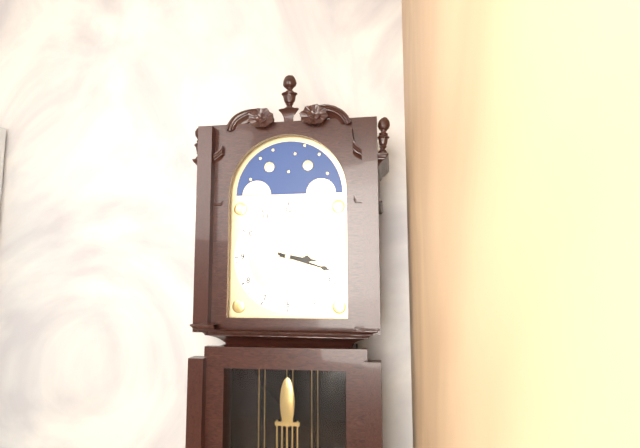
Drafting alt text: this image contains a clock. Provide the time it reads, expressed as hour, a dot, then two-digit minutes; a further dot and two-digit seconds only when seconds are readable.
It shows 3.18
